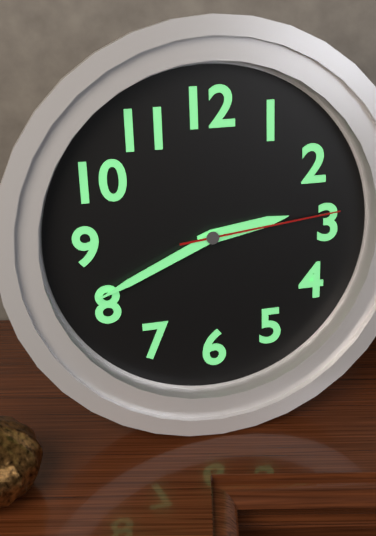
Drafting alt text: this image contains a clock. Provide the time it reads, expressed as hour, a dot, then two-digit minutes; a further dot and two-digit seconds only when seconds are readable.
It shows 2.41.14
